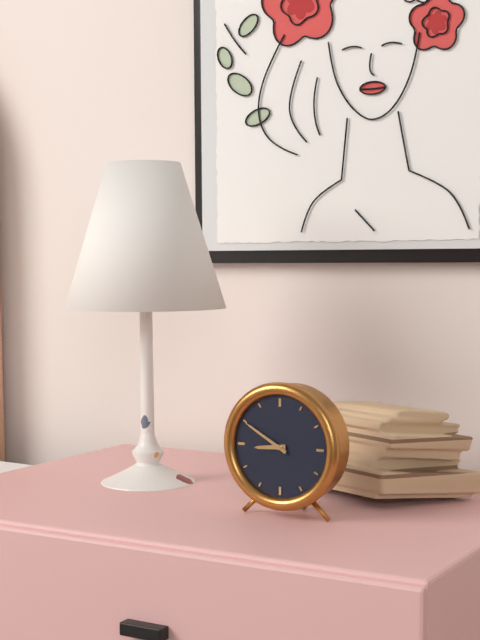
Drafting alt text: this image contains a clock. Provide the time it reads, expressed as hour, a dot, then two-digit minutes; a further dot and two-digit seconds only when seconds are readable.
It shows 8.50
